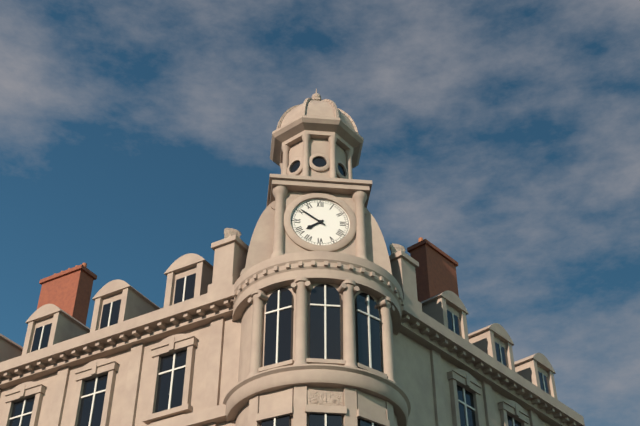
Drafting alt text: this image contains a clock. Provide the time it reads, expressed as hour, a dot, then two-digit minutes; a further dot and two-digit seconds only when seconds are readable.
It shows 7.51
